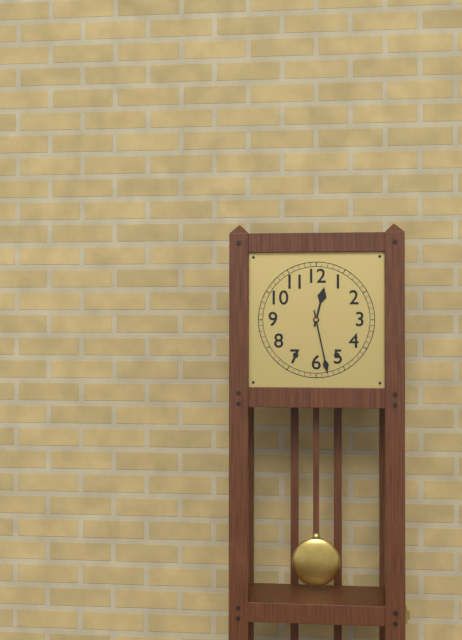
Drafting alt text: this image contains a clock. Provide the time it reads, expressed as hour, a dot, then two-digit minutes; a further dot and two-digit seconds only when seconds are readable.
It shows 12.28
